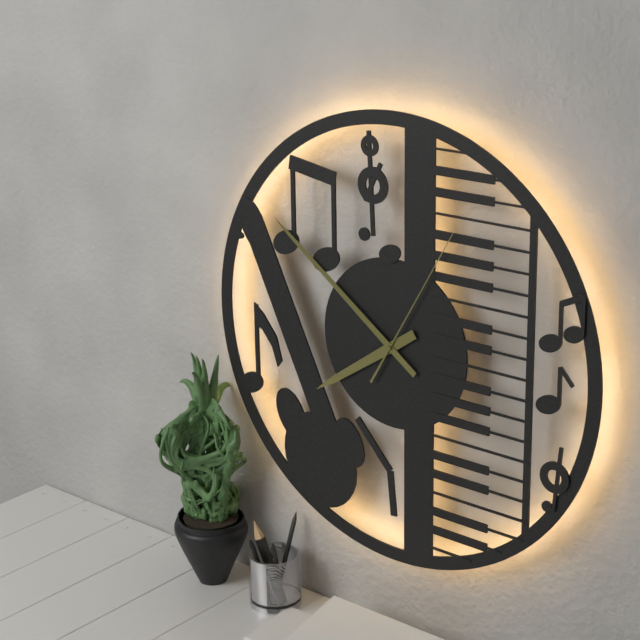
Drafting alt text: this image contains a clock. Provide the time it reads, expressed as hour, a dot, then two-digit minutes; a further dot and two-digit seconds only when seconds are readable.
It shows 7.51.05
